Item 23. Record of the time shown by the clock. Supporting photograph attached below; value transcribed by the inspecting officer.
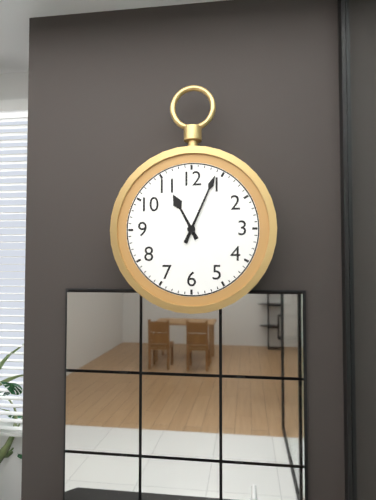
11:04
